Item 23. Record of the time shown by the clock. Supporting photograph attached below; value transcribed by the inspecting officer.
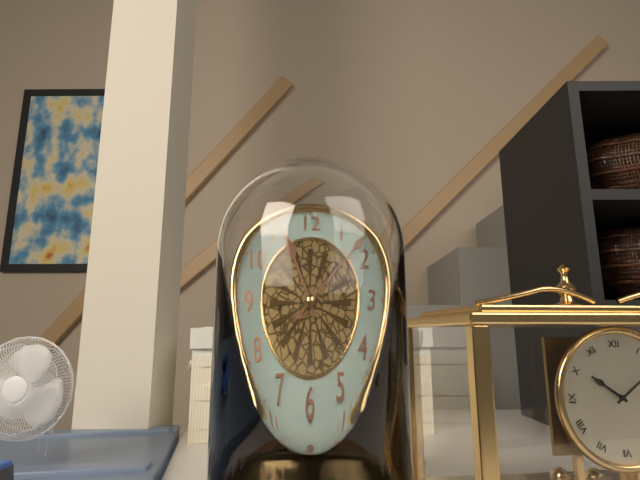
11:08
